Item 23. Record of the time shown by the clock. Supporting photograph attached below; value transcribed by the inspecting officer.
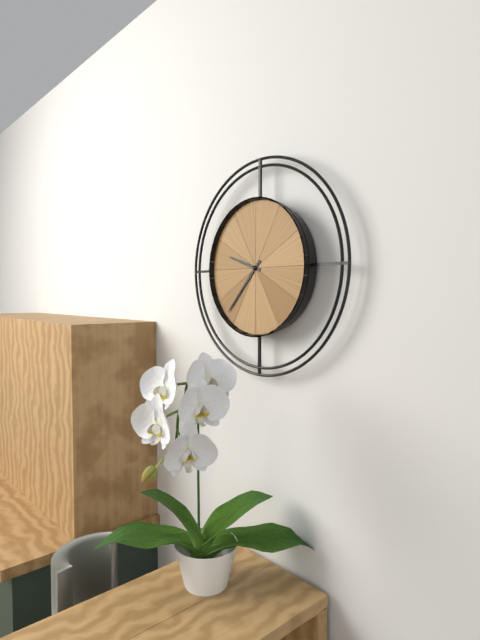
9:37
